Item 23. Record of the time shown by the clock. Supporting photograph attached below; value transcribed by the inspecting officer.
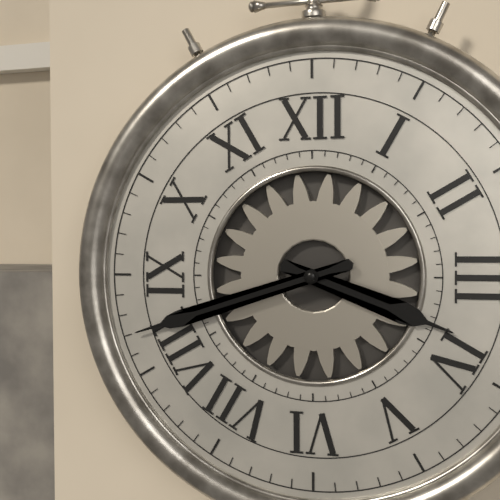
3:42
